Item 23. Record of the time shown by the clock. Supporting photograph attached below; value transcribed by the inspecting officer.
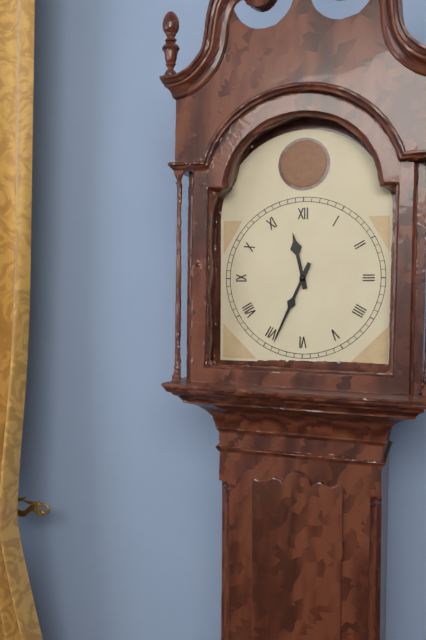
11:34
